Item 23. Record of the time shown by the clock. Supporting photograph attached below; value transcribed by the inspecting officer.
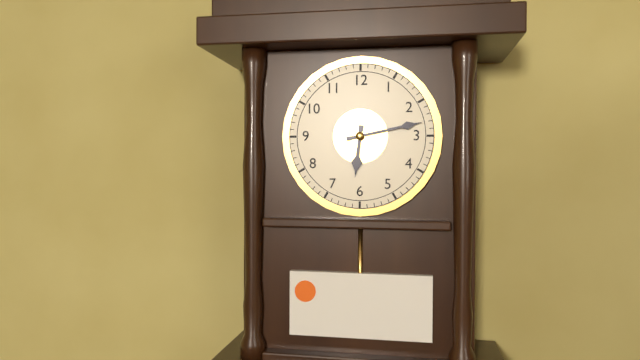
6:13
